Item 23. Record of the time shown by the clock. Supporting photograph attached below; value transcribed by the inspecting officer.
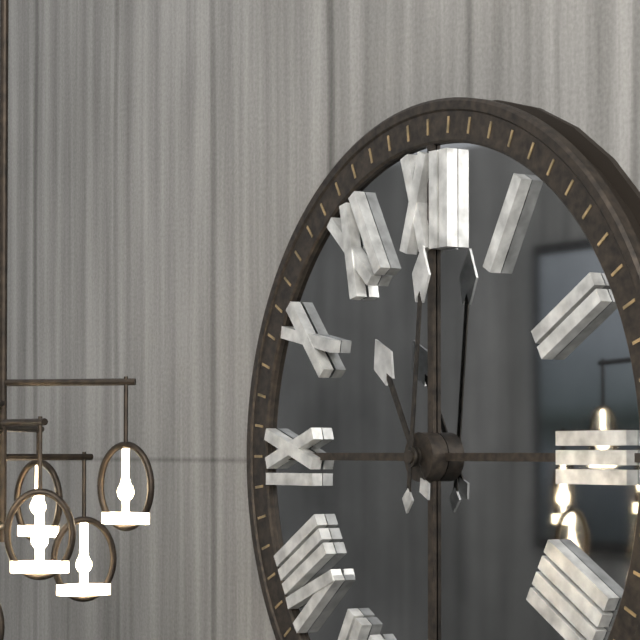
11:01
